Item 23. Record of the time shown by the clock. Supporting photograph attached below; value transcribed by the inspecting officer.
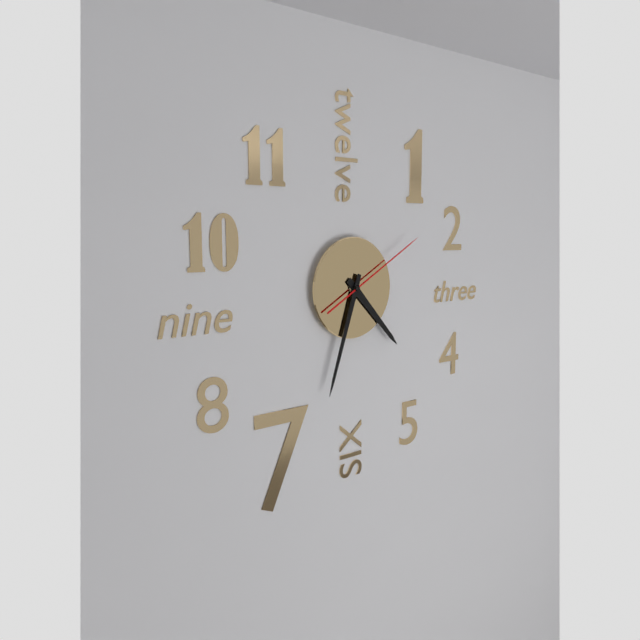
4:33:10
